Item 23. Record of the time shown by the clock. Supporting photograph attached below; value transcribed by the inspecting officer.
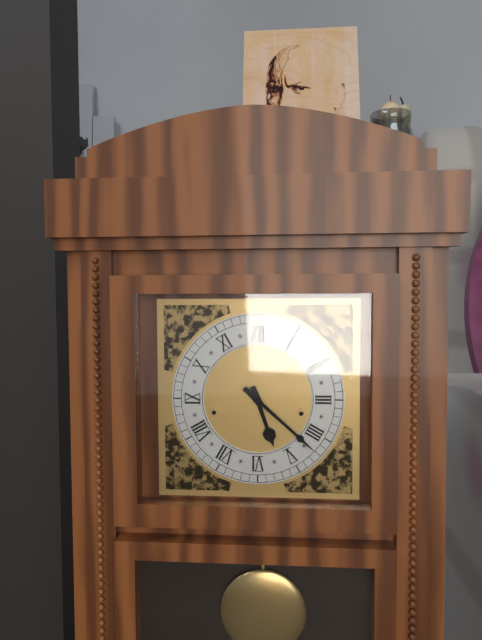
5:22
